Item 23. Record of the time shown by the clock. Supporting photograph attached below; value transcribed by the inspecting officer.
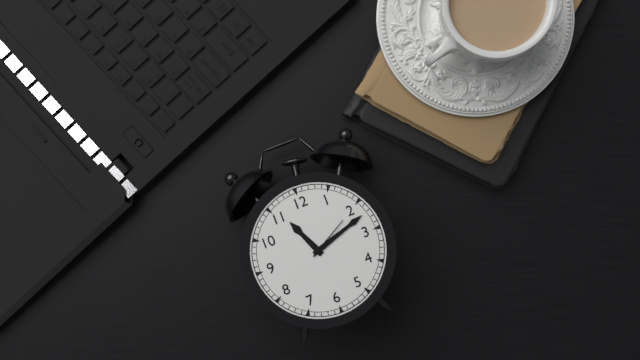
11:12
